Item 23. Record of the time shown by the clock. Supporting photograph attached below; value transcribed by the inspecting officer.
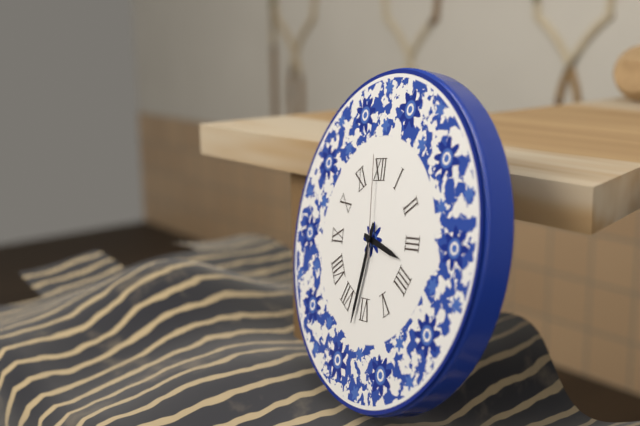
3:32:59
